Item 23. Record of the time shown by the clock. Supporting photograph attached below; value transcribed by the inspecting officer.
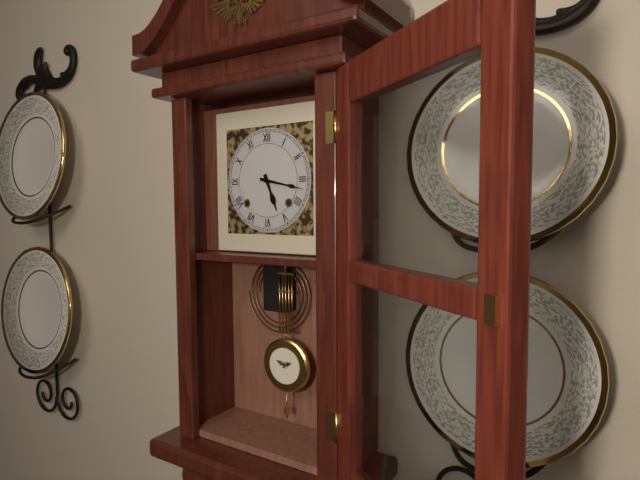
5:17
